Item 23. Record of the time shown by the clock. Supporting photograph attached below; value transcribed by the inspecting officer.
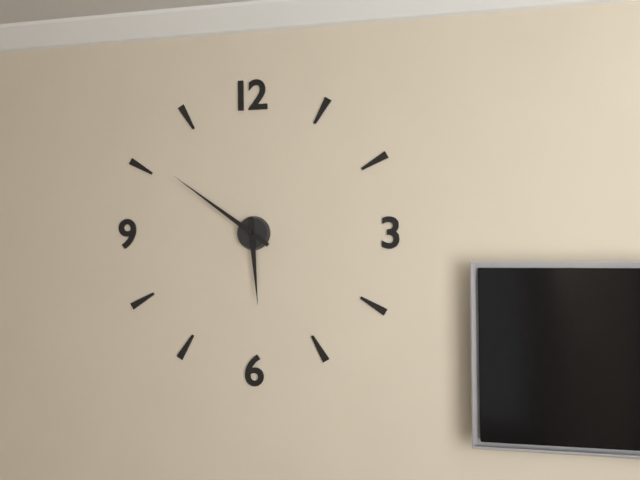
5:51
